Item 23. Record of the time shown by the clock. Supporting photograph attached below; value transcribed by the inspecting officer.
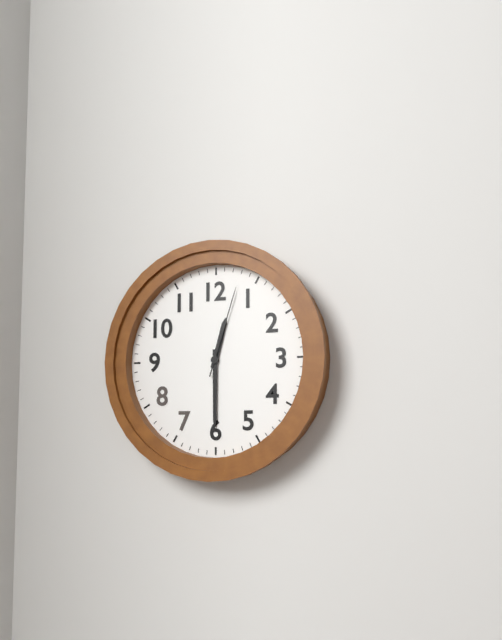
12:30:03
